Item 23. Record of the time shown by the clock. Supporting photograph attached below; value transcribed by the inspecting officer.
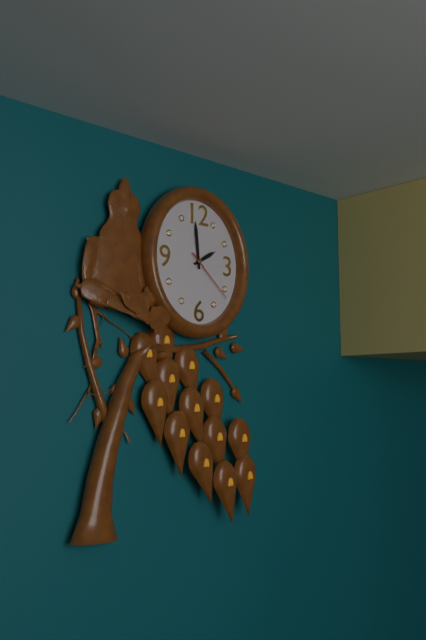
1:59:22
